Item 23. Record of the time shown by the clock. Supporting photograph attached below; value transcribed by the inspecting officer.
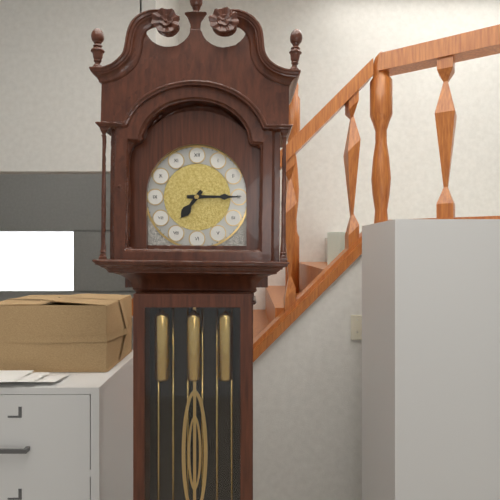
7:15
